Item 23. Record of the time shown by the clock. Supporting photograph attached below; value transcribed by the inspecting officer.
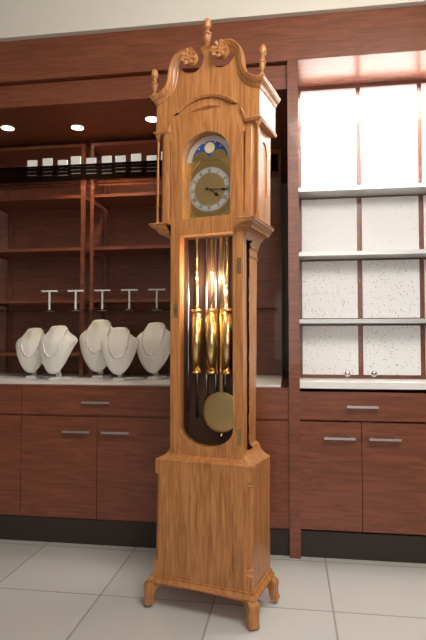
4:16
